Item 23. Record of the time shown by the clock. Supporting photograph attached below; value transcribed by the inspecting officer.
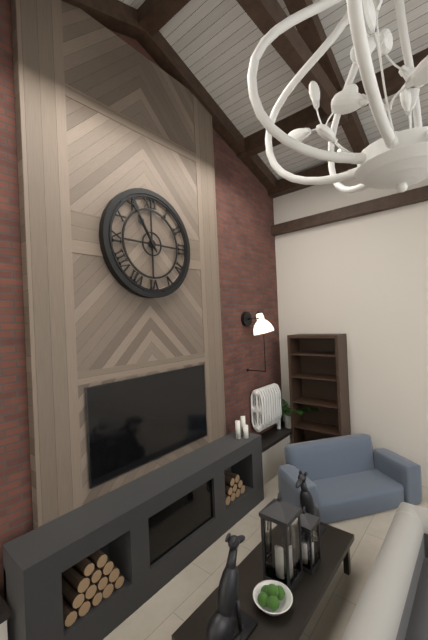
10:55
